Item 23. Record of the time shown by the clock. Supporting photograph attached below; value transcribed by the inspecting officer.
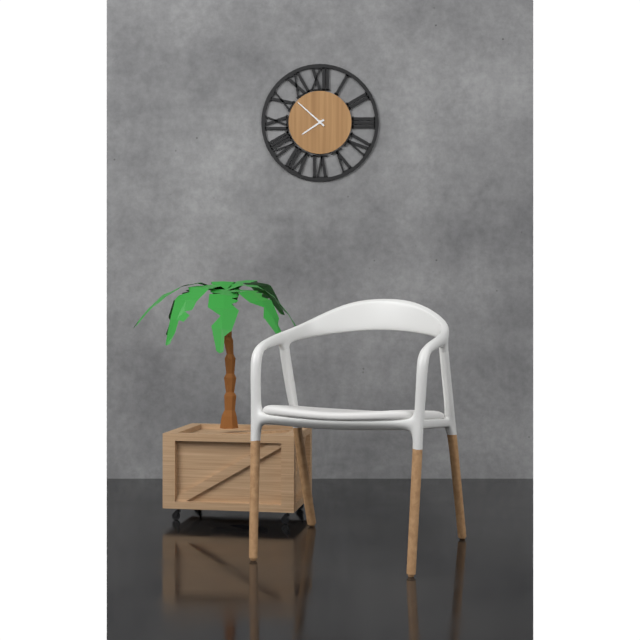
7:52
